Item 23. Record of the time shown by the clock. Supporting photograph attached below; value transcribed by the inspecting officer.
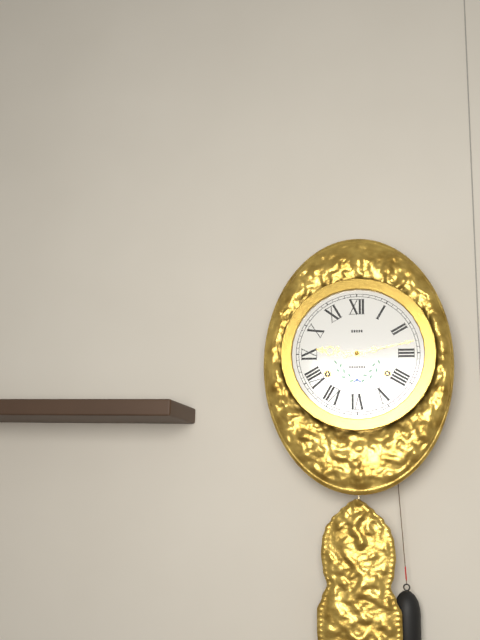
9:13
